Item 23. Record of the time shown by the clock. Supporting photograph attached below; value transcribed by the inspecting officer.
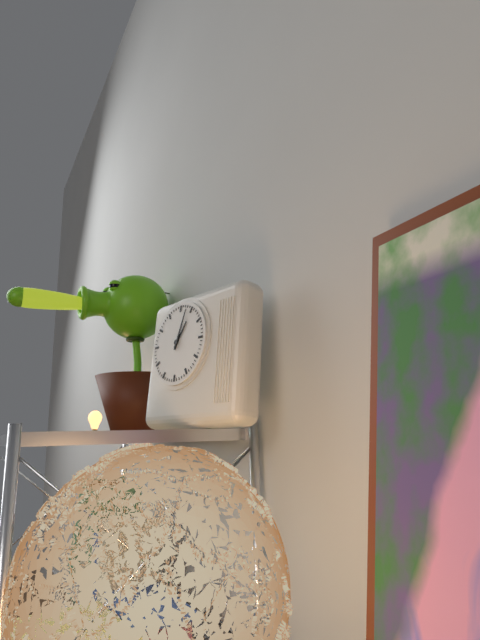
1:03
